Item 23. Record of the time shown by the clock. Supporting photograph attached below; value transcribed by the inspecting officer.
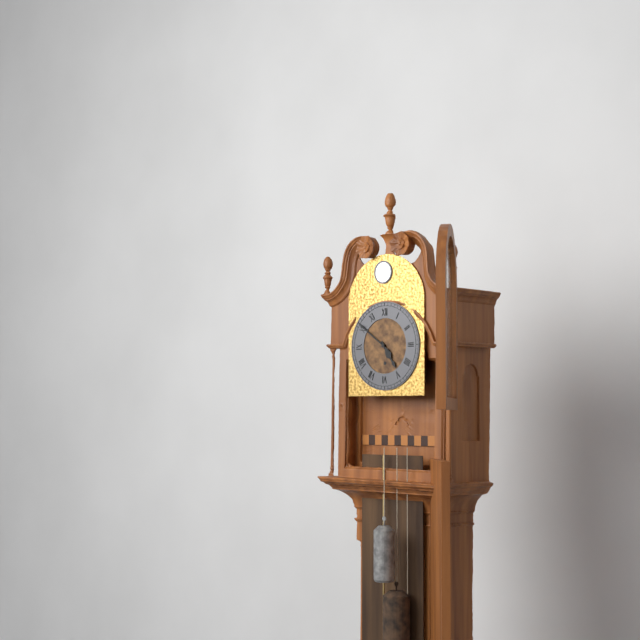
4:51
